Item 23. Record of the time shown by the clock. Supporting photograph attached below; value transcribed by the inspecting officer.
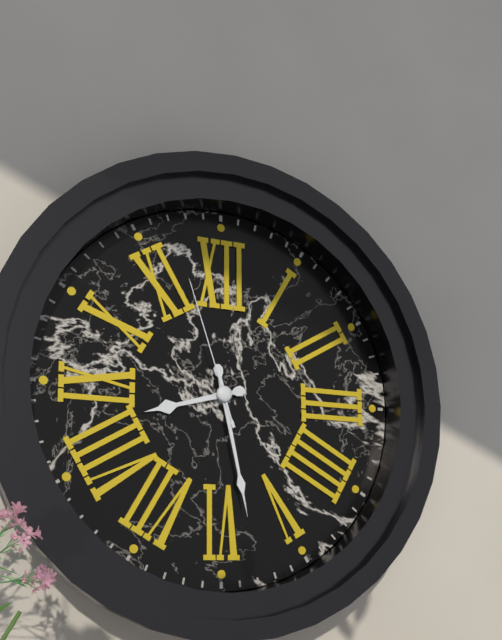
8:28:57
